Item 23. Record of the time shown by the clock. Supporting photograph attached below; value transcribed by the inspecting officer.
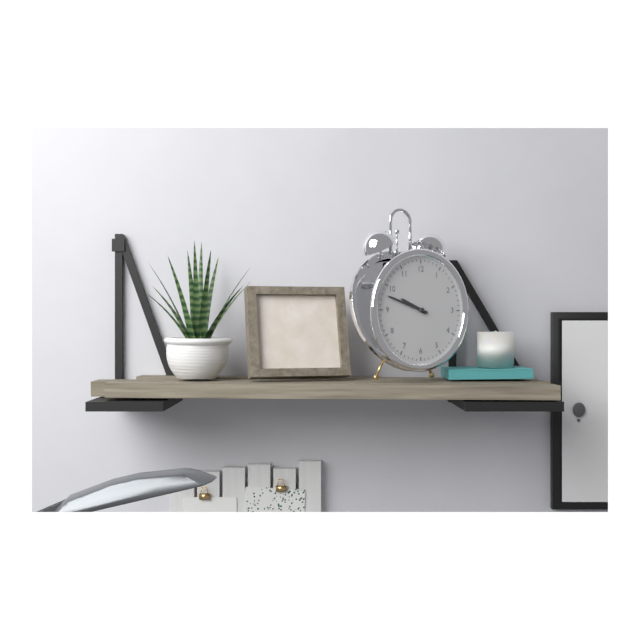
9:48
